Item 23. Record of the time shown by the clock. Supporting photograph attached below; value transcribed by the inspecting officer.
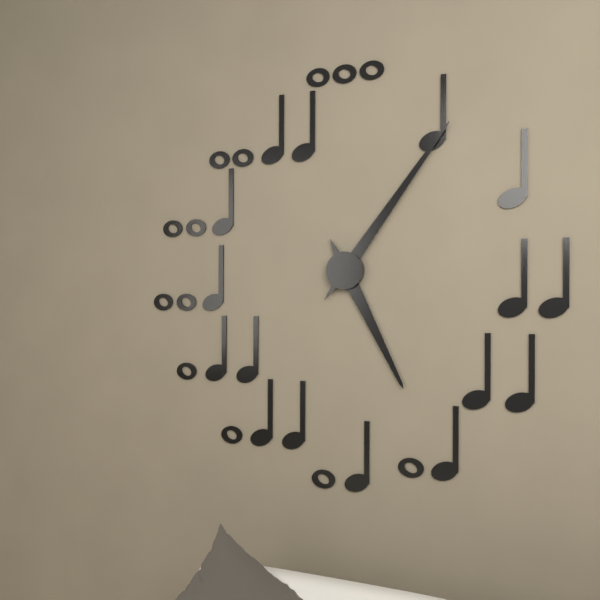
5:06
